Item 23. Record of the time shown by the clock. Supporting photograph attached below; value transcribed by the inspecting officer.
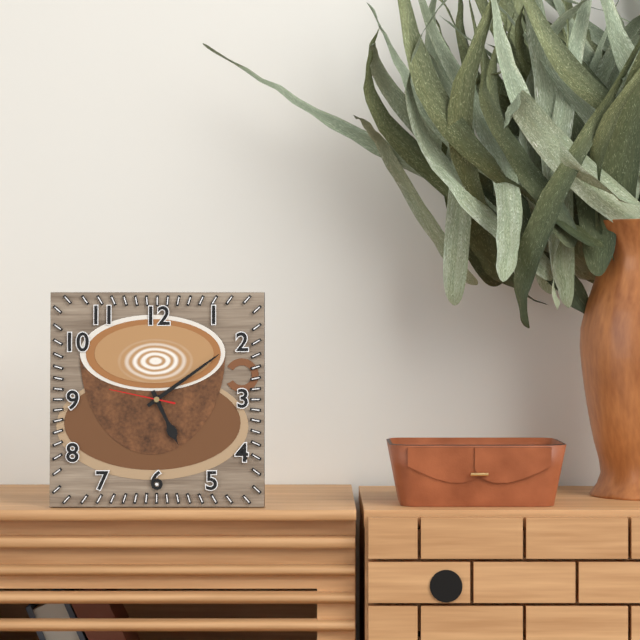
5:09:47
